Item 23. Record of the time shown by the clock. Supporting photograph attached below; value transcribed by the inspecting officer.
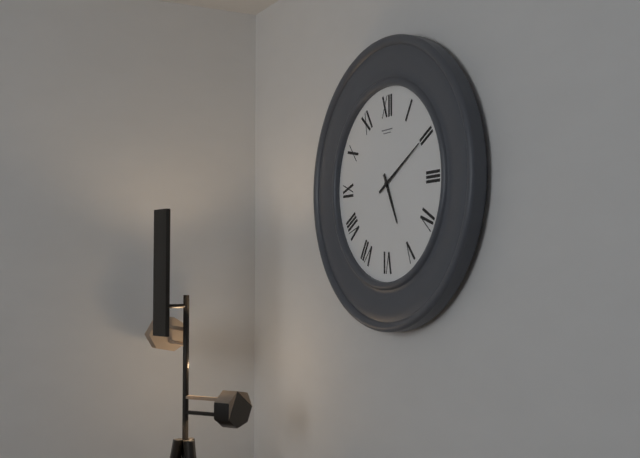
5:10
